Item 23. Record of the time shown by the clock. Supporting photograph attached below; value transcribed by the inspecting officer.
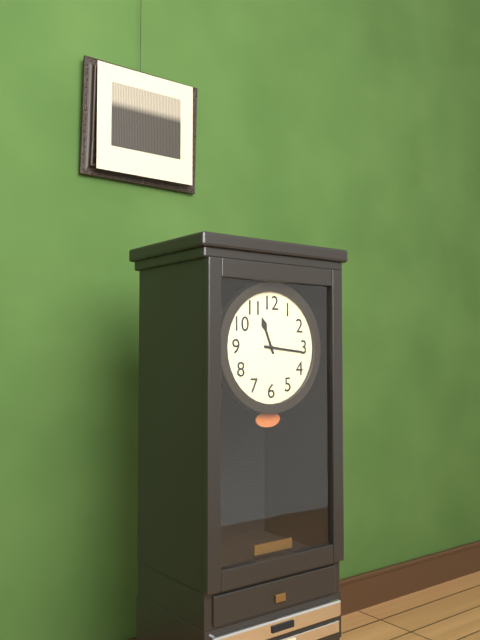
11:16
